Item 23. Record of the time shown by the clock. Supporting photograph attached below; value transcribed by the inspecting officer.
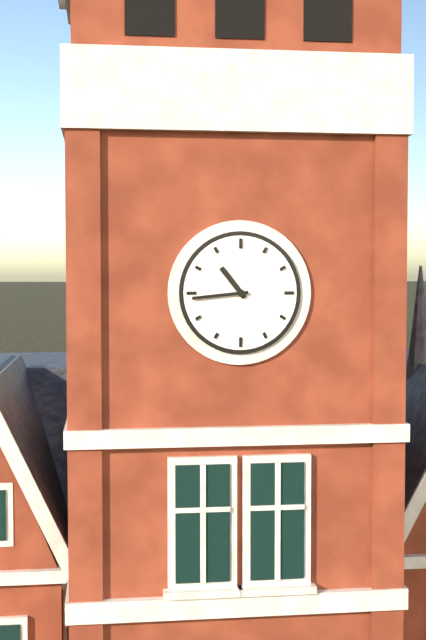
10:44
